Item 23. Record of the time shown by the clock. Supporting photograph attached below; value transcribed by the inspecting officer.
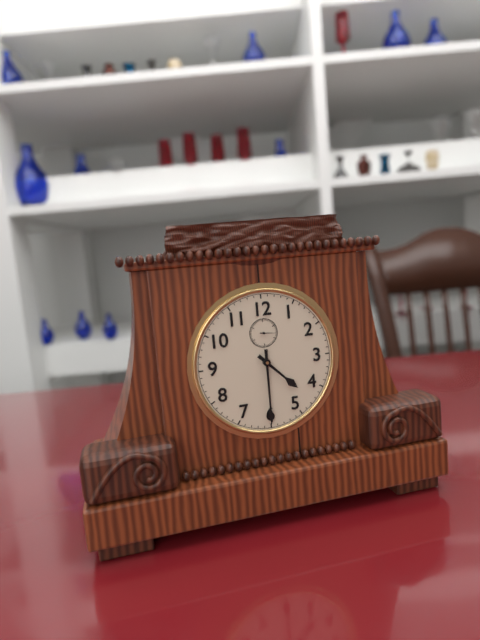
4:30
